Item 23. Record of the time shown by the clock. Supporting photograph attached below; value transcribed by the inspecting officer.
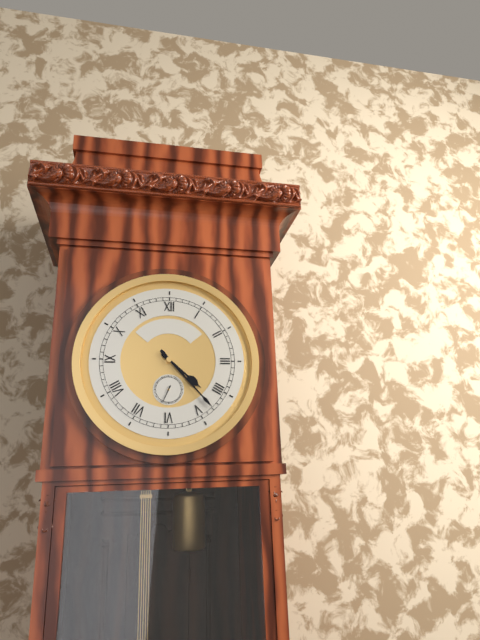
4:23
